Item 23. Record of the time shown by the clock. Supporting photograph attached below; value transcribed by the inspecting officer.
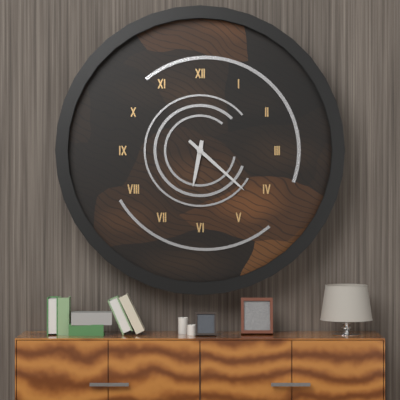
6:22
